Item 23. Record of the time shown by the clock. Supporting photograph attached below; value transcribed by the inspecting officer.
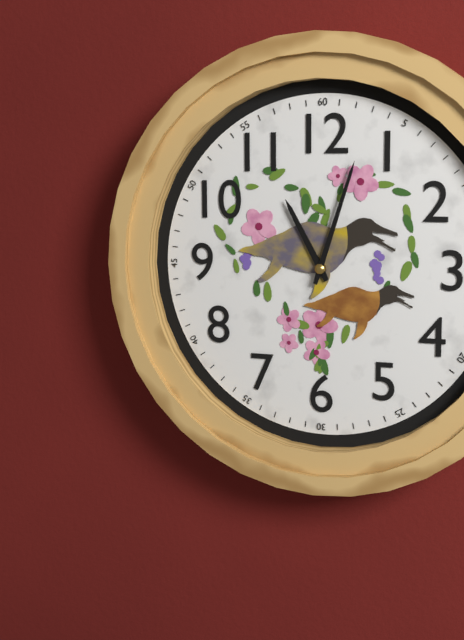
11:03
